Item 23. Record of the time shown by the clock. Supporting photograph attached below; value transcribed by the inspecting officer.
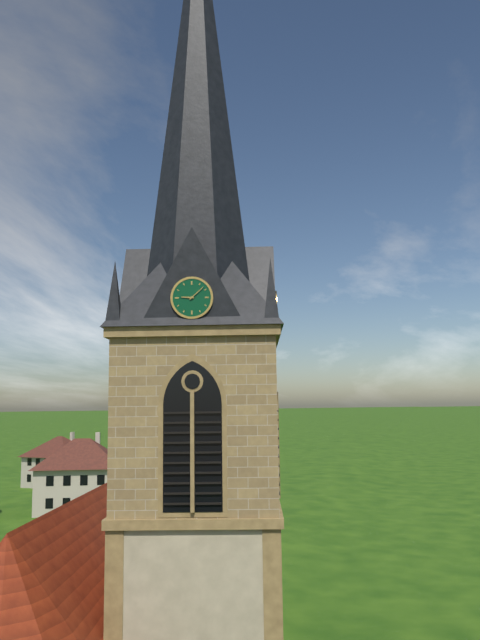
9:08
